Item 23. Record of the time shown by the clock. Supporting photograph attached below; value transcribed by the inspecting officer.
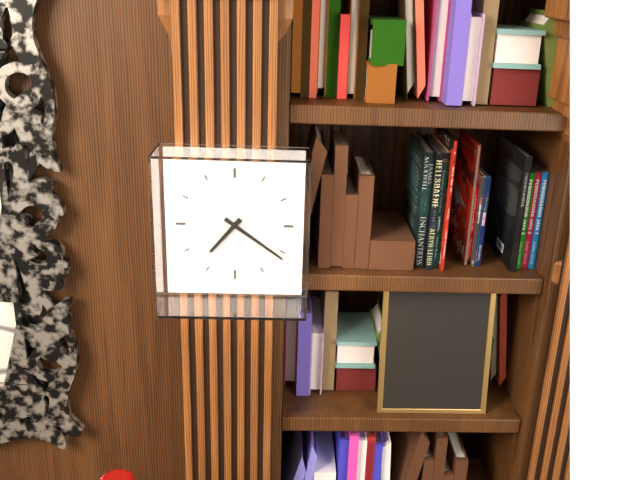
7:21
